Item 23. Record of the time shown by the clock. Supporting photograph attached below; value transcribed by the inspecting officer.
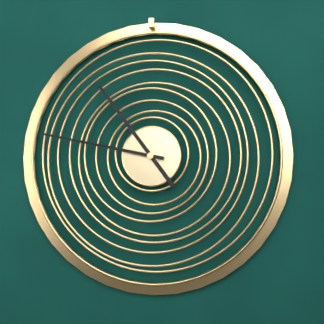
10:47
